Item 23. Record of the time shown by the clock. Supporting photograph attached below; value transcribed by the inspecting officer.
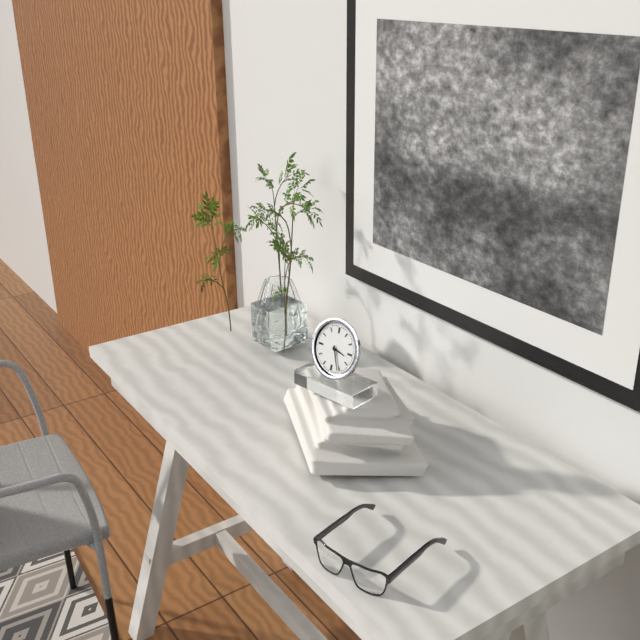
3:26
